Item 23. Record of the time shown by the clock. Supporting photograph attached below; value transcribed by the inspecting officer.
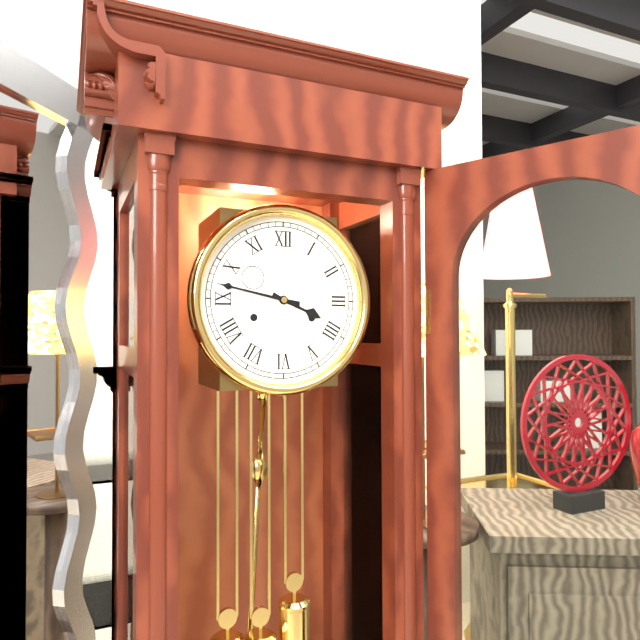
3:47
